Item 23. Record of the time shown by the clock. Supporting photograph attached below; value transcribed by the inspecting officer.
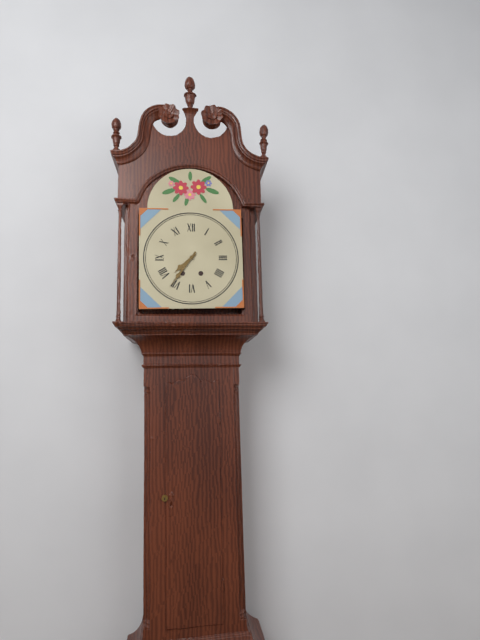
7:36
